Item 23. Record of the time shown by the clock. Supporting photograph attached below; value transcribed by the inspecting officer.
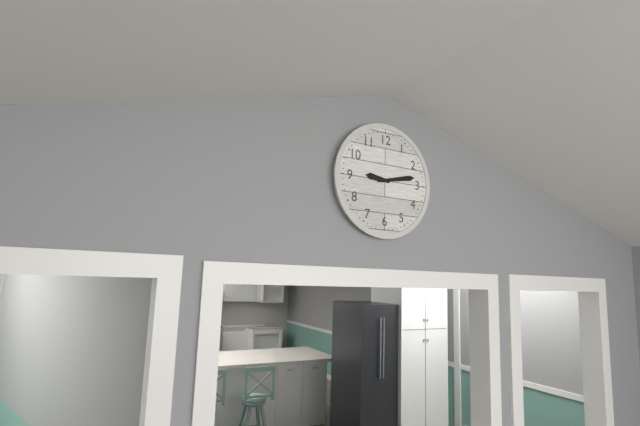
9:13
